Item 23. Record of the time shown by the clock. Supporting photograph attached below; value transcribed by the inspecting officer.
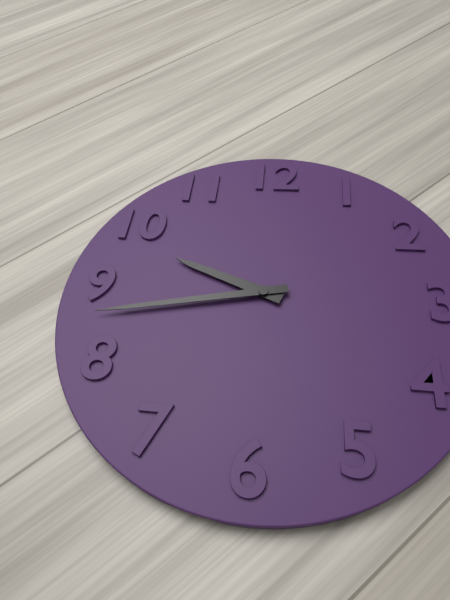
9:43
